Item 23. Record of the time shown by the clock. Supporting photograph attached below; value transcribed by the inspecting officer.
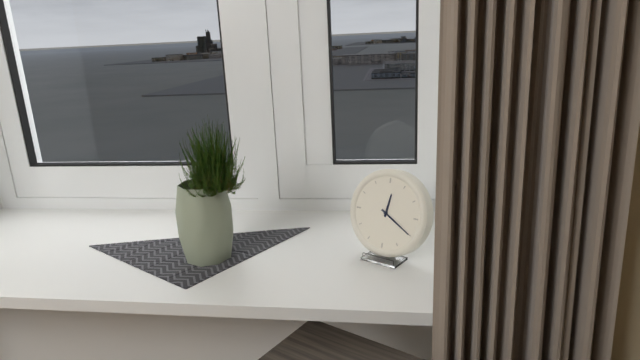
12:20
